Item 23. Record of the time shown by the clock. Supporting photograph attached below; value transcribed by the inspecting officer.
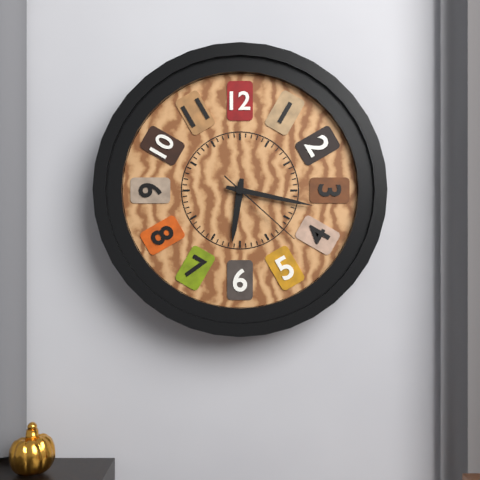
6:17:22
